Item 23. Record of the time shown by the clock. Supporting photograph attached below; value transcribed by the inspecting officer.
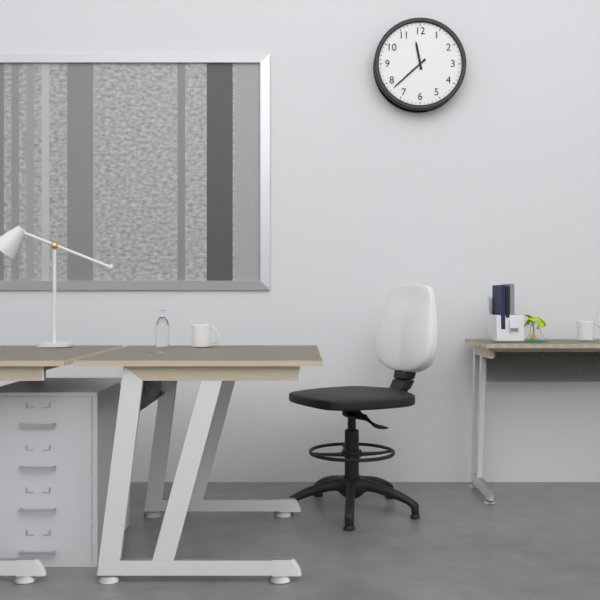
11:38
